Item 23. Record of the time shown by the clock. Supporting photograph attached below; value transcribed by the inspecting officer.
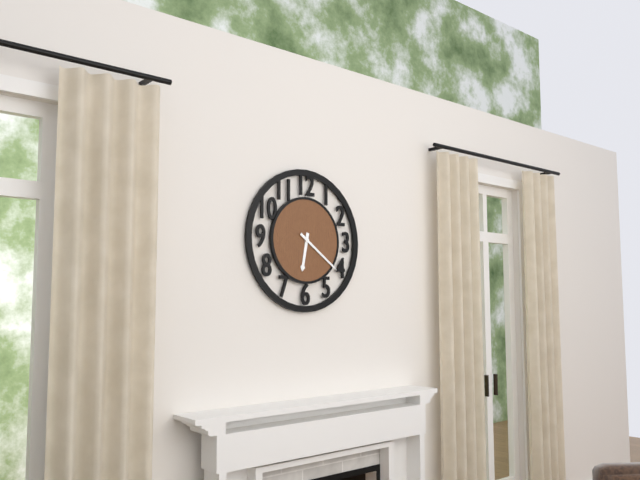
6:21
